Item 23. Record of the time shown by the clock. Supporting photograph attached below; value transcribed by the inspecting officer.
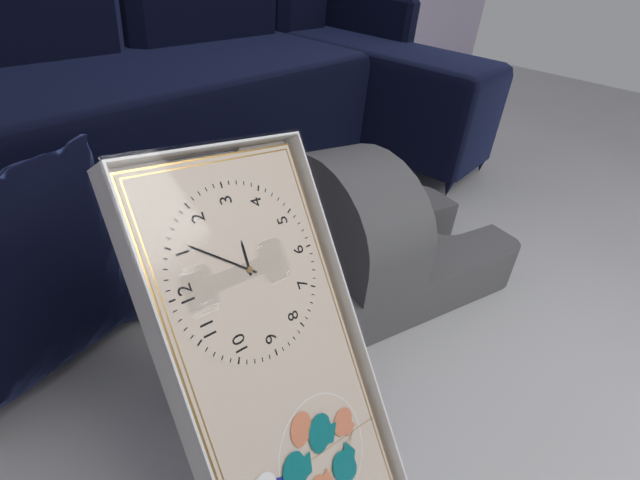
3:06
